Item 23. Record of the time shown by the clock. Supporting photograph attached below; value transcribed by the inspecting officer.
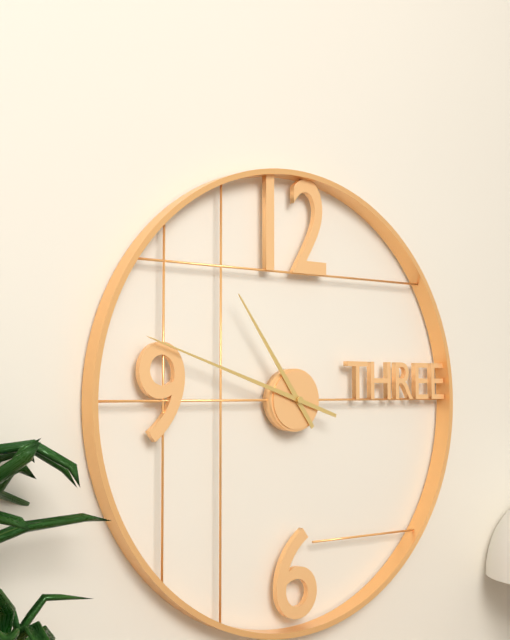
10:48
